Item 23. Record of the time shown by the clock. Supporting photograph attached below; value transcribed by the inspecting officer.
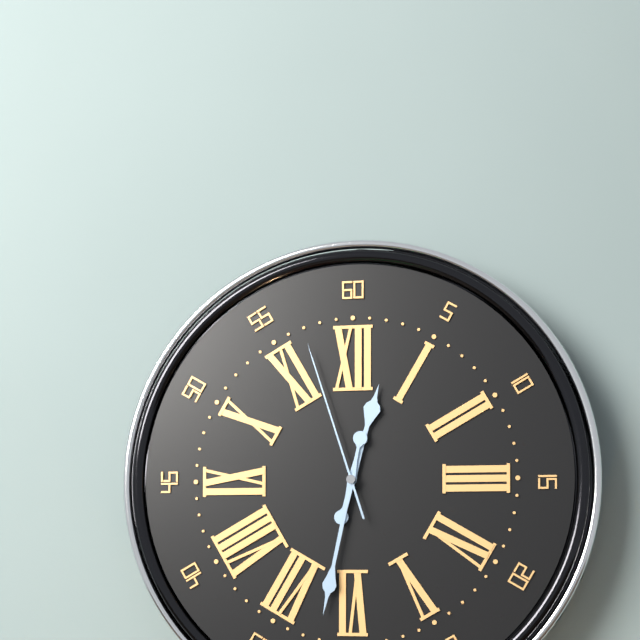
12:32:57
